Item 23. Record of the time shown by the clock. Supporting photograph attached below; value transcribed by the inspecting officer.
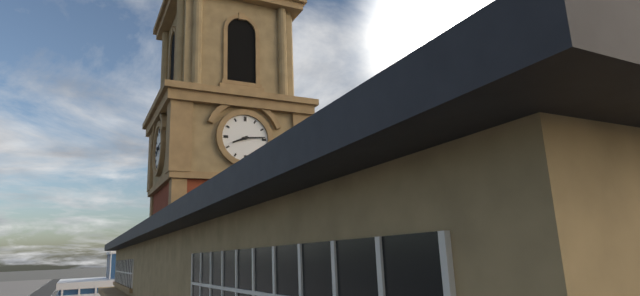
8:14
